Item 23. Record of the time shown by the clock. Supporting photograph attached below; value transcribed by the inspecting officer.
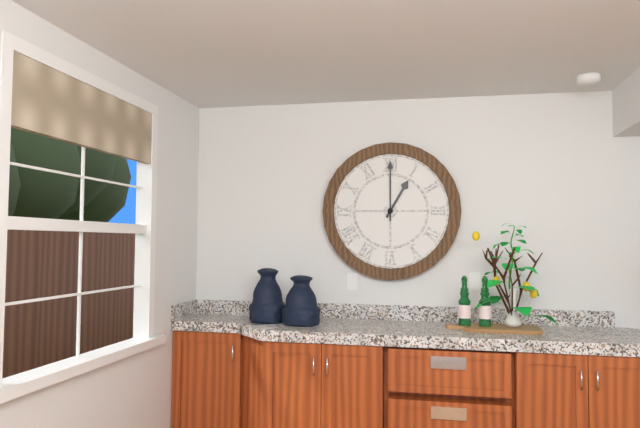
1:00
